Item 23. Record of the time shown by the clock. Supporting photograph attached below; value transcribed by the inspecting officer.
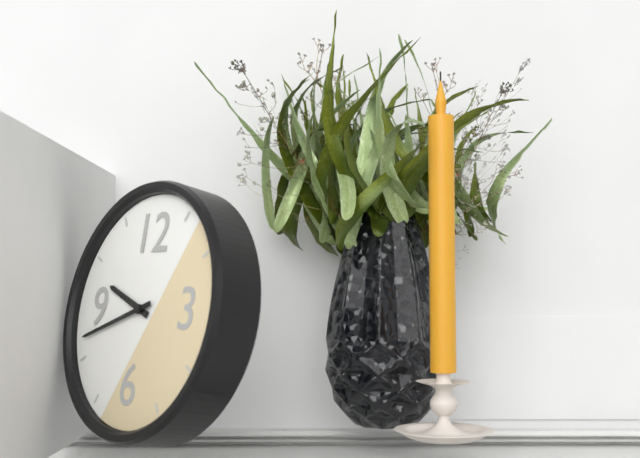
9:42
